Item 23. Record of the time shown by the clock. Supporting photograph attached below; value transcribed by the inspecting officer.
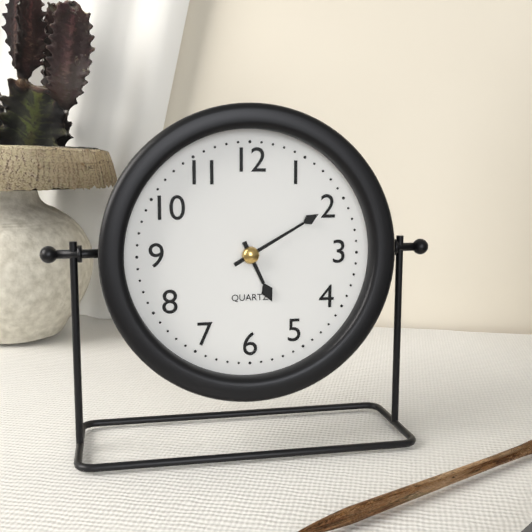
5:10
